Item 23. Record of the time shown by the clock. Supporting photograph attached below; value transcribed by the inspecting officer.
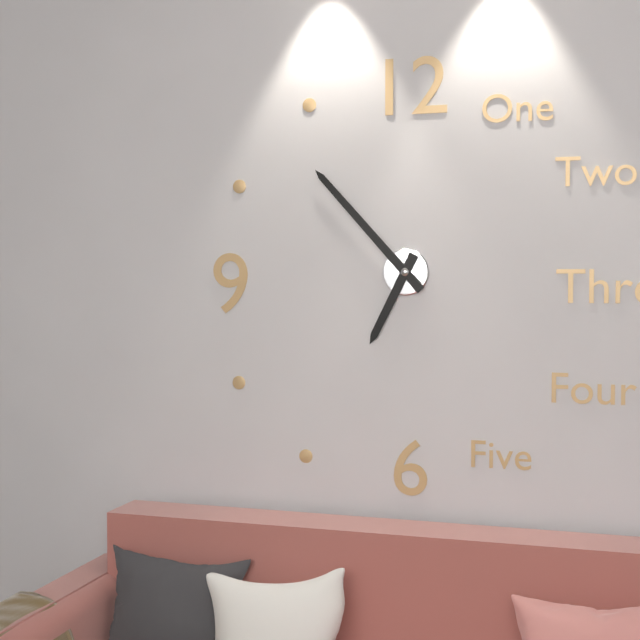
6:53
